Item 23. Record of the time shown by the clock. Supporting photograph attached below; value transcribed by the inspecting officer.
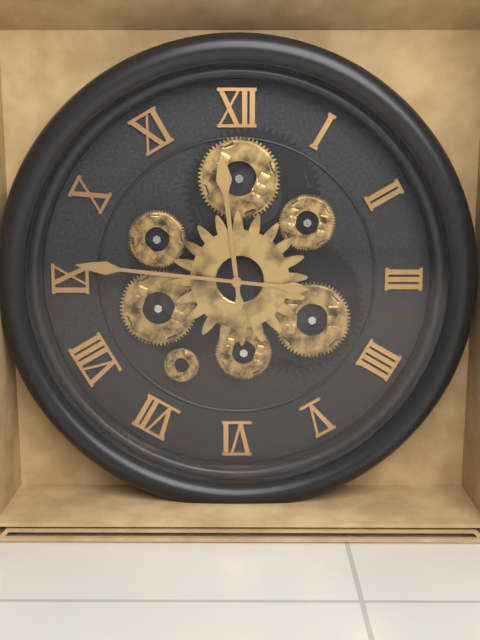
11:46
